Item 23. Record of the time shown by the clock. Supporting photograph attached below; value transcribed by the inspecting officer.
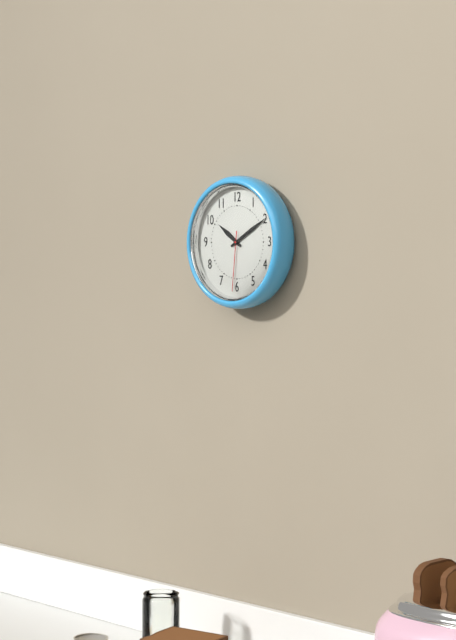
10:10:31
